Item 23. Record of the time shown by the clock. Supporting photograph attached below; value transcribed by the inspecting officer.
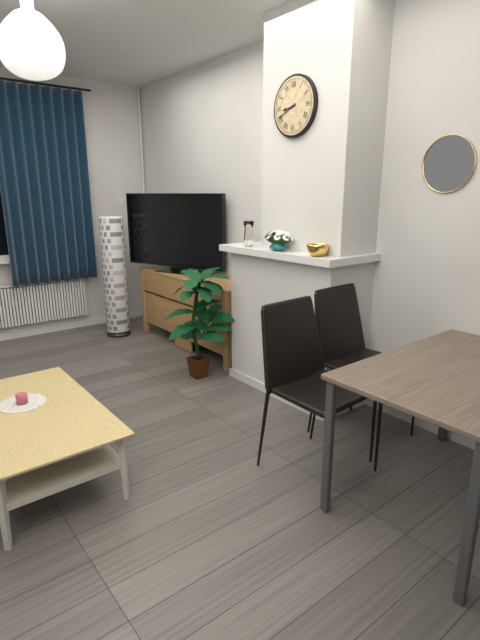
8:41
